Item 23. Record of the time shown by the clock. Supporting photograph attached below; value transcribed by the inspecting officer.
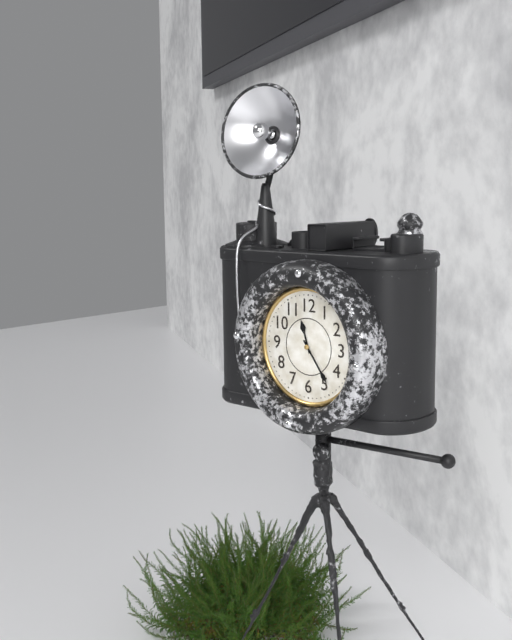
11:24
